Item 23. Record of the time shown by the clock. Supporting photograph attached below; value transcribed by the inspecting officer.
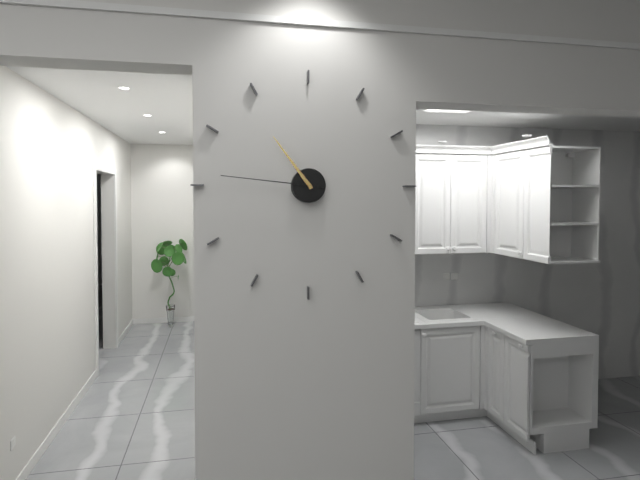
10:46
